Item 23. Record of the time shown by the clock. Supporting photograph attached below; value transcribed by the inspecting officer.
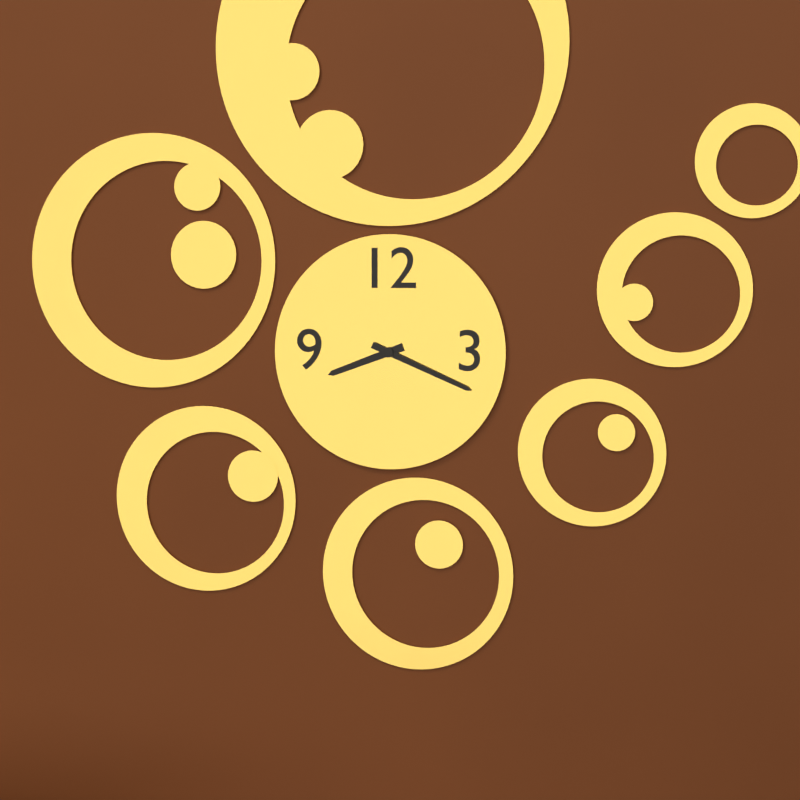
8:19
